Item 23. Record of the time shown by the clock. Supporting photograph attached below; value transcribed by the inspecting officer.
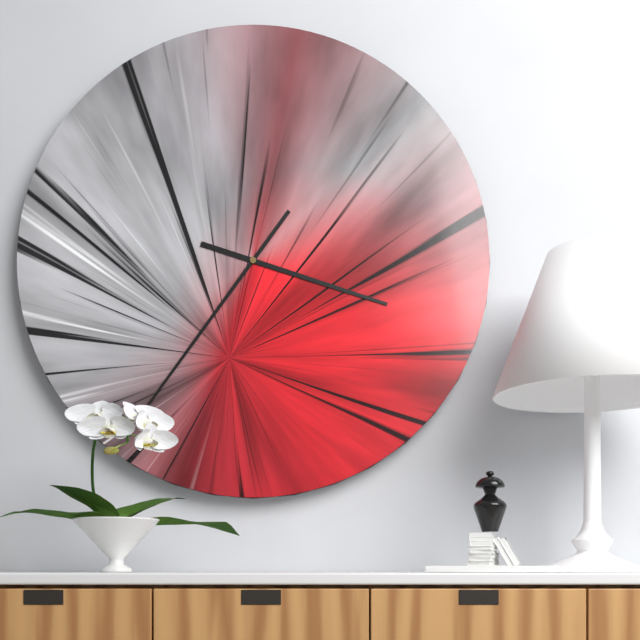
3:36
